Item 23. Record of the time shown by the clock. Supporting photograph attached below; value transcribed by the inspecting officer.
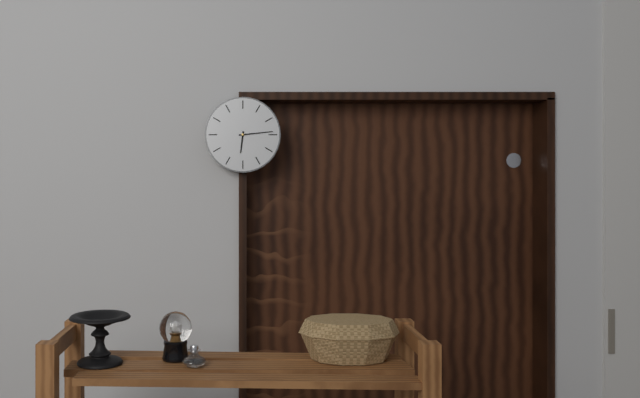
6:14
